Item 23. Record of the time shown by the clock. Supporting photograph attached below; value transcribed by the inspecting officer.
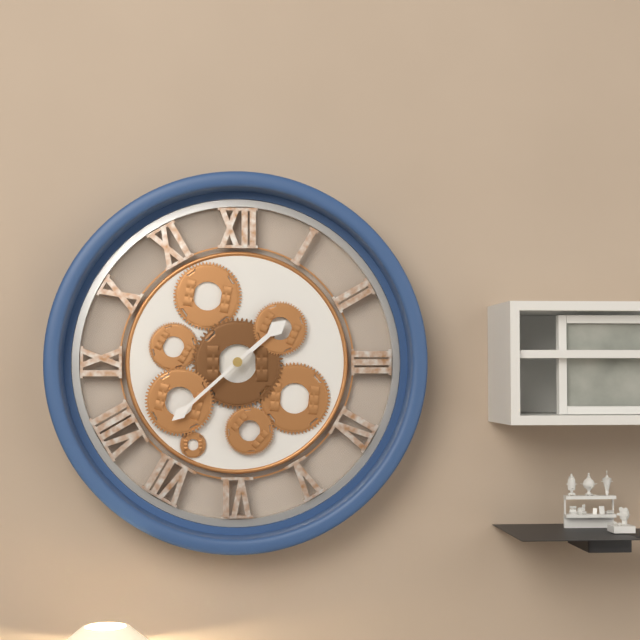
1:38
